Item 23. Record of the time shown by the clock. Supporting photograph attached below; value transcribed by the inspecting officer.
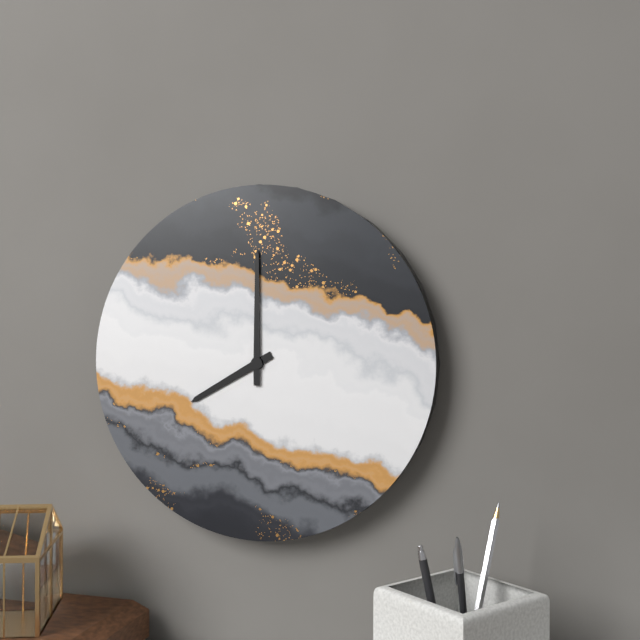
8:00
